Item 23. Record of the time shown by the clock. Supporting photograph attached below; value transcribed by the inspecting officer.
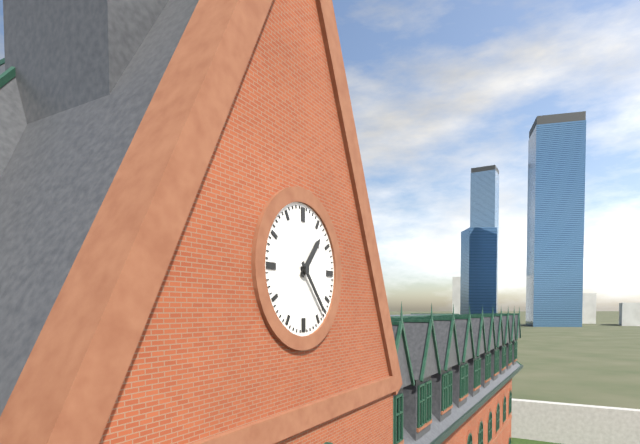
1:23
